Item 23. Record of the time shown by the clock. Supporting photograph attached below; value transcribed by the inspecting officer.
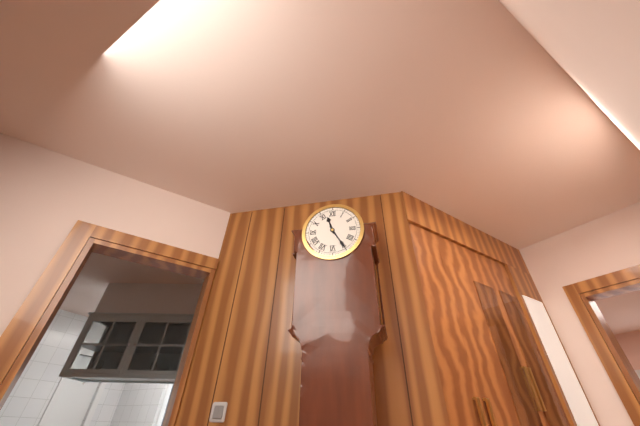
11:25
